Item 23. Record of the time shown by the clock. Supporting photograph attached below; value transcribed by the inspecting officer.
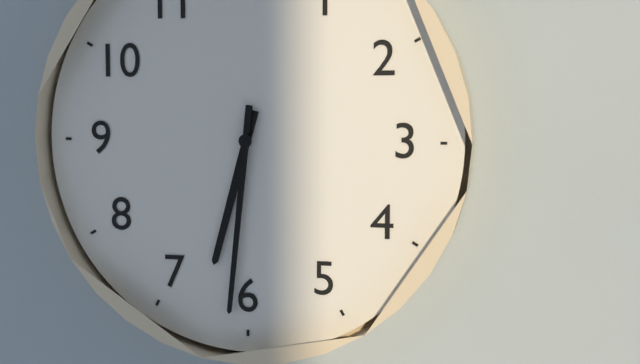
6:31
